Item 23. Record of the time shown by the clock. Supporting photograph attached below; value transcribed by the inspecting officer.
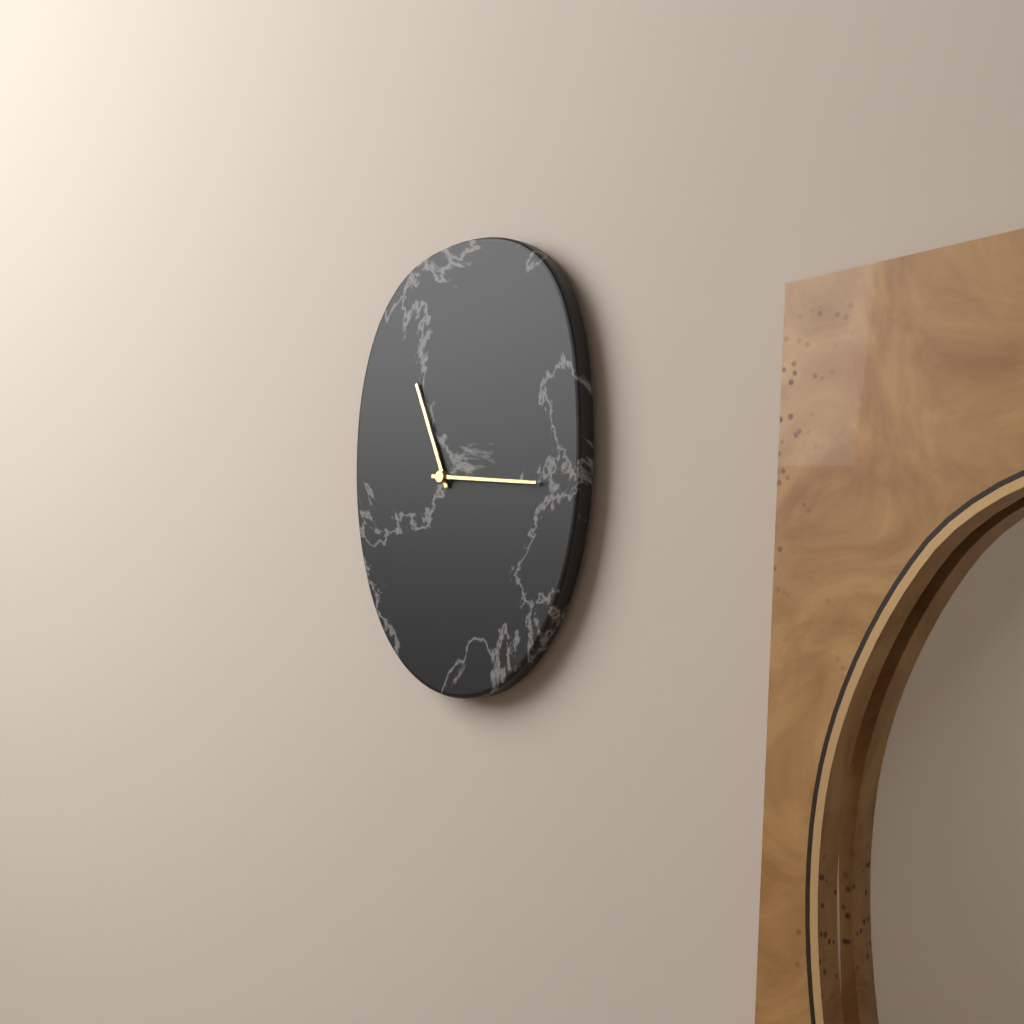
11:16
